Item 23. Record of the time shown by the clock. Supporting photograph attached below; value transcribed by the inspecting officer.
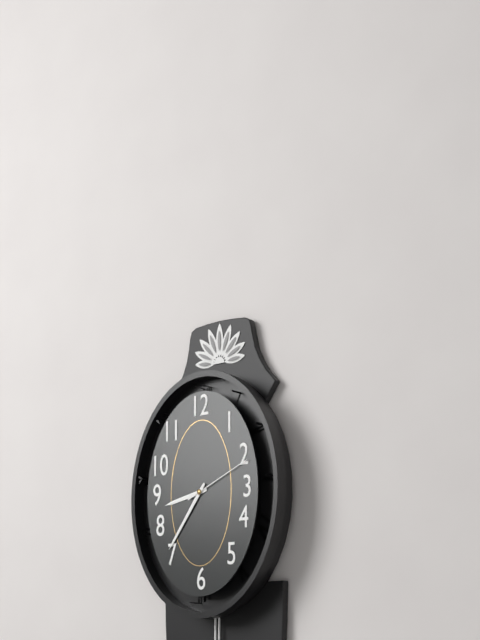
8:36:11
